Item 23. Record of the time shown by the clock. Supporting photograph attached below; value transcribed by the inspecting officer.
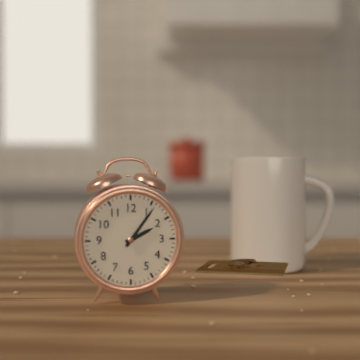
2:06
